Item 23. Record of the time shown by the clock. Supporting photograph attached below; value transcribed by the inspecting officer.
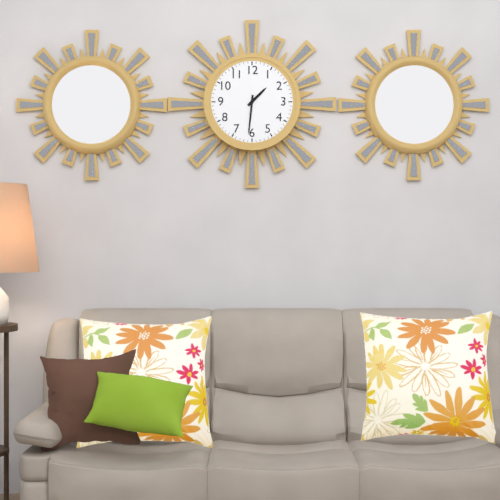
1:31
